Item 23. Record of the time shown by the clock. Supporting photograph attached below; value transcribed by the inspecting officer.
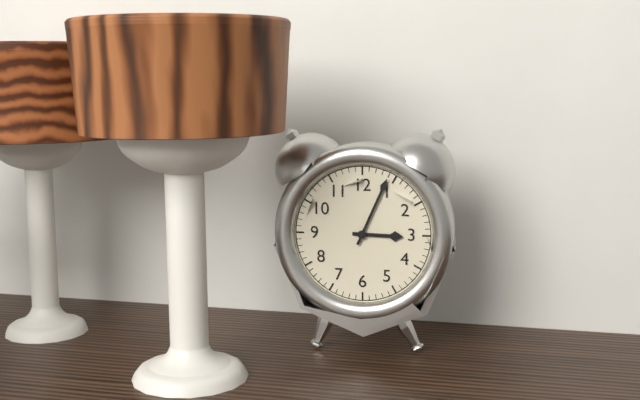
3:04
